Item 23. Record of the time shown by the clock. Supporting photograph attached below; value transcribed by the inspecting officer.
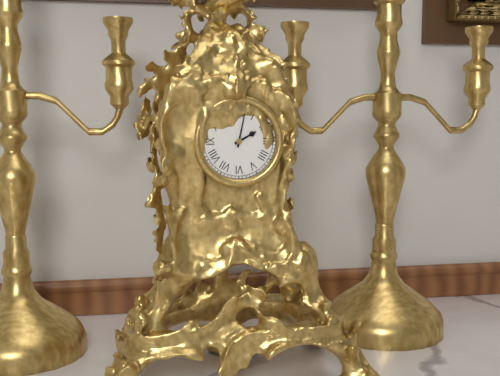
2:02
